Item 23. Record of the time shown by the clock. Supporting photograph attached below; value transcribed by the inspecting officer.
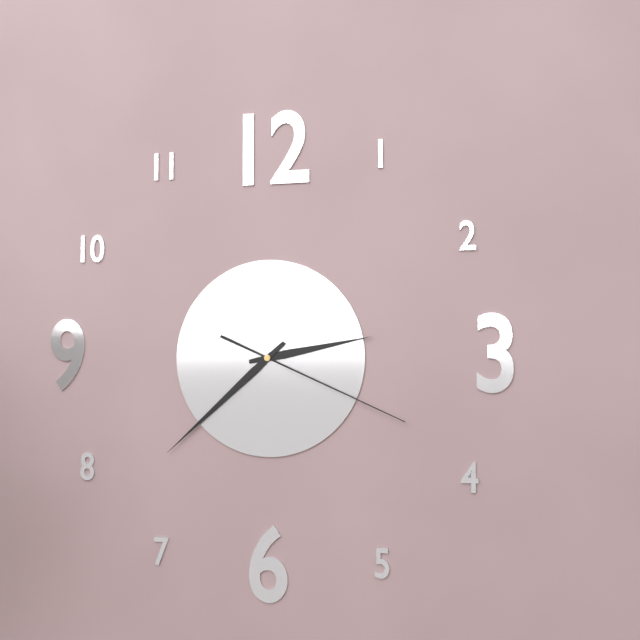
2:38:19
